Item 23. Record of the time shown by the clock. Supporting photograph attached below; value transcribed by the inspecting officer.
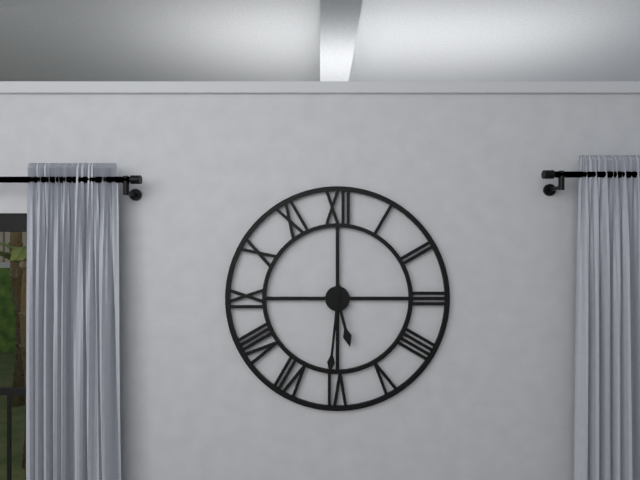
5:31
